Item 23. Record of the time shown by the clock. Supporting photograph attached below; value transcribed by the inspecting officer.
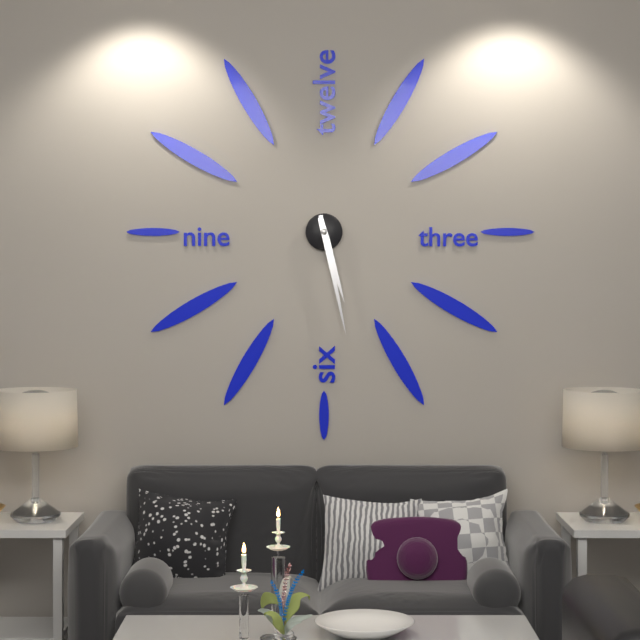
5:28
